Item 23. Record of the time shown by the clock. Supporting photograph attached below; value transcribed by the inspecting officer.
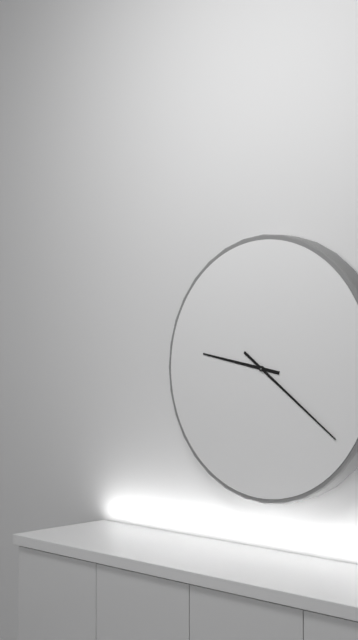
9:21
